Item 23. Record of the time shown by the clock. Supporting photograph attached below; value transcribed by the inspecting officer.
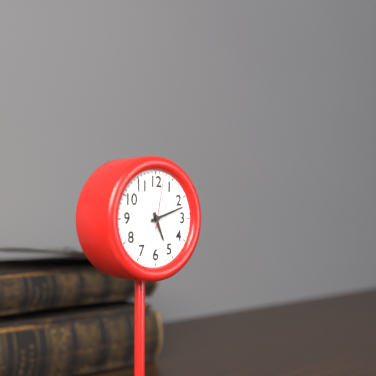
5:12:02
